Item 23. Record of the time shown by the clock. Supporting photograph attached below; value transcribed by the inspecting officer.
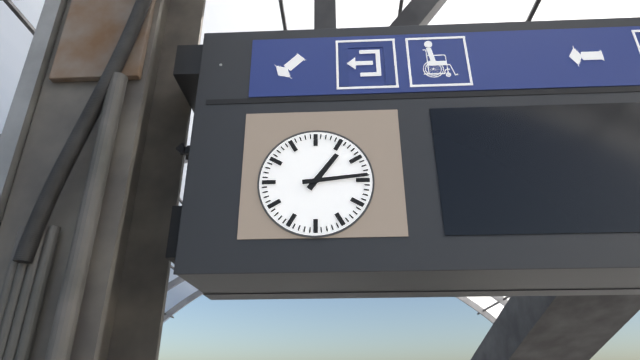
1:14
